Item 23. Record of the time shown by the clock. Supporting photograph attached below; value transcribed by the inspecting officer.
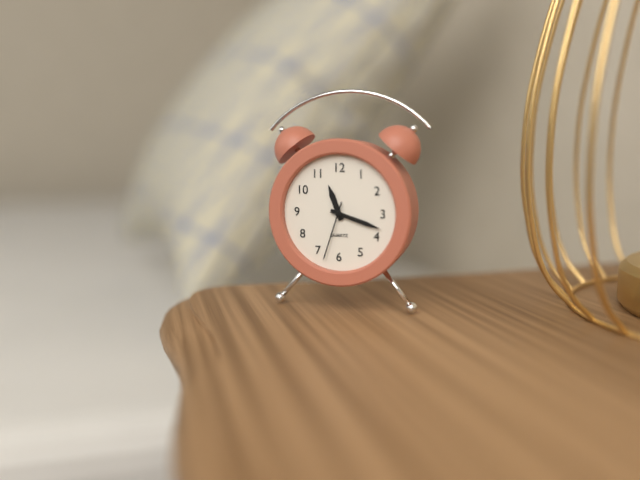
11:18:33
